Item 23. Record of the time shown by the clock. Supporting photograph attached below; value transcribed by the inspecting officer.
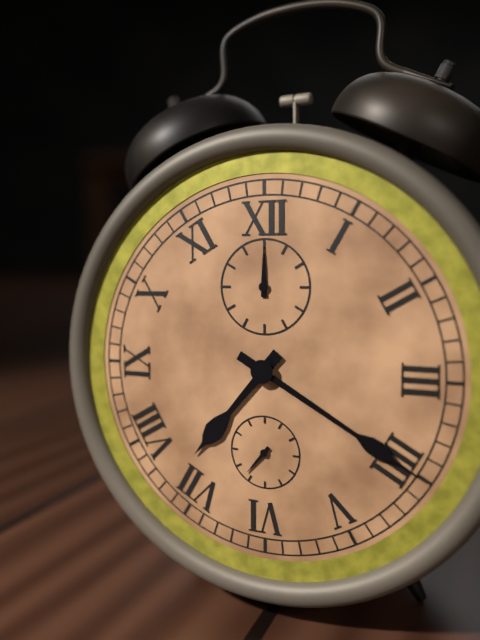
7:20
